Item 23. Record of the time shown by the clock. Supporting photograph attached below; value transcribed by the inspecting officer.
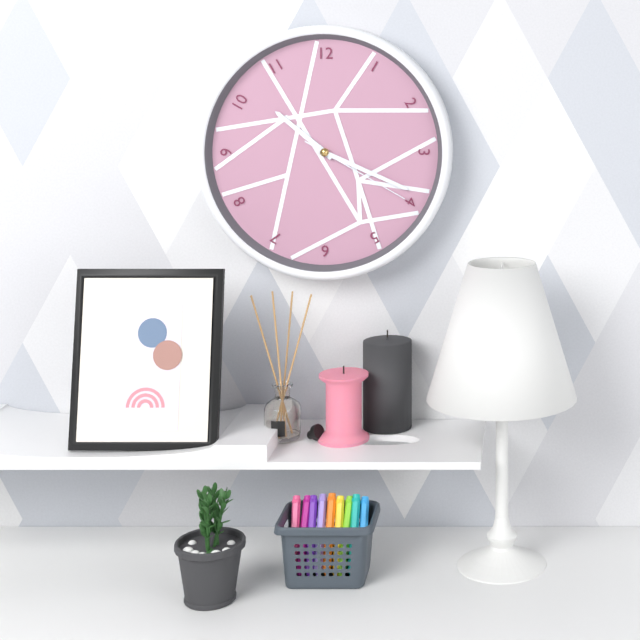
10:19:20
